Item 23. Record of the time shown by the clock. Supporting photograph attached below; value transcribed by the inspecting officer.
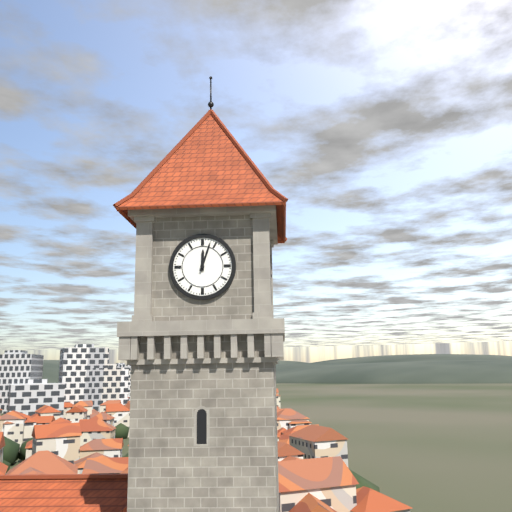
12:03
